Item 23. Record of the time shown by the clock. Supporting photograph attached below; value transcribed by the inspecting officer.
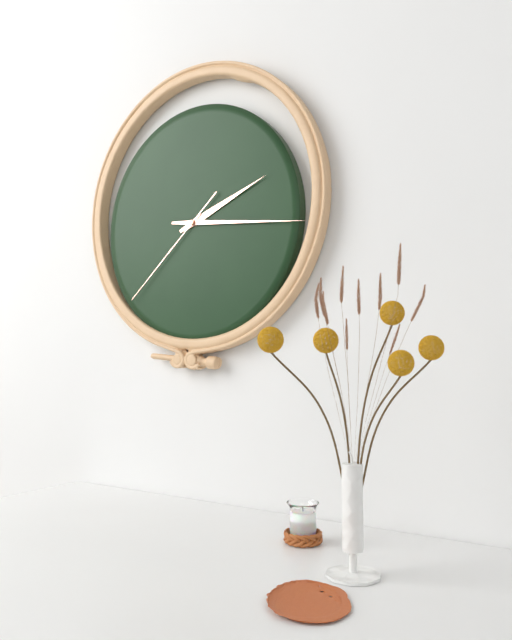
2:16:38
